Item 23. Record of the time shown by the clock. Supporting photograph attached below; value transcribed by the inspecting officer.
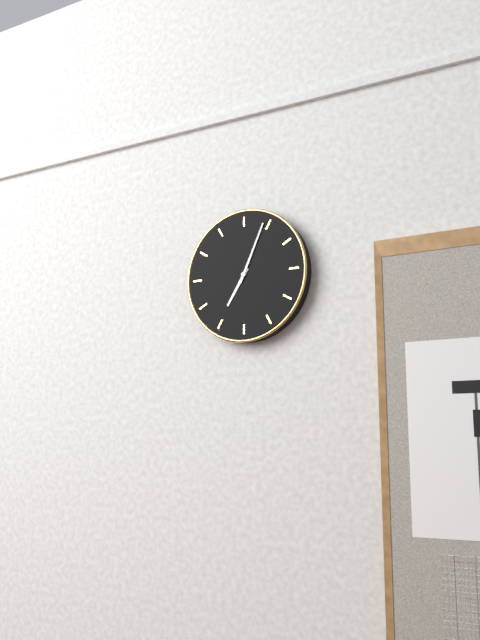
7:04
